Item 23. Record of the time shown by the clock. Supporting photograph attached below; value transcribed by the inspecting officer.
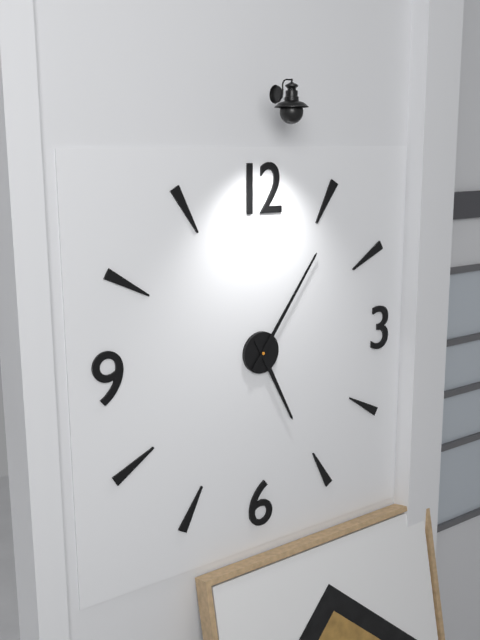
5:06
